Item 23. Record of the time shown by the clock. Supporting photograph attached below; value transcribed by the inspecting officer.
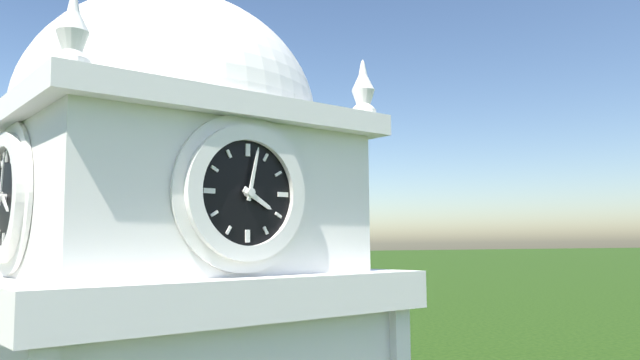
4:02
